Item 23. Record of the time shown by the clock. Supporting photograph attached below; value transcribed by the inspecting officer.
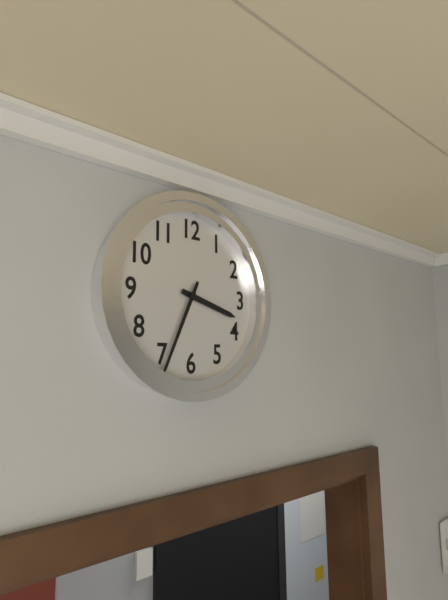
3:34
